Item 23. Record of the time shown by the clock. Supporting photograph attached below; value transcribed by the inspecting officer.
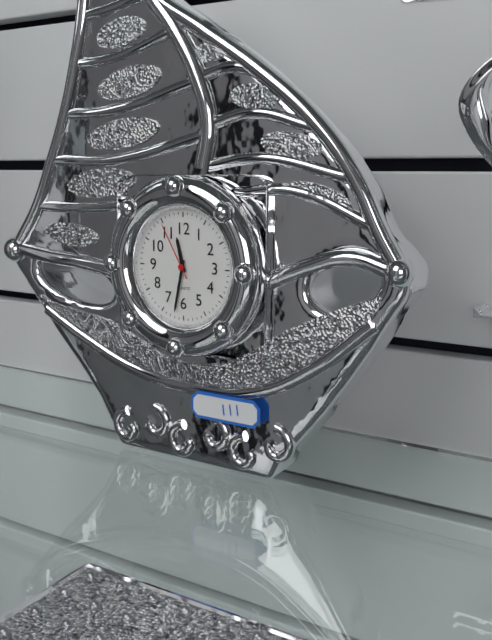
11:32:55
